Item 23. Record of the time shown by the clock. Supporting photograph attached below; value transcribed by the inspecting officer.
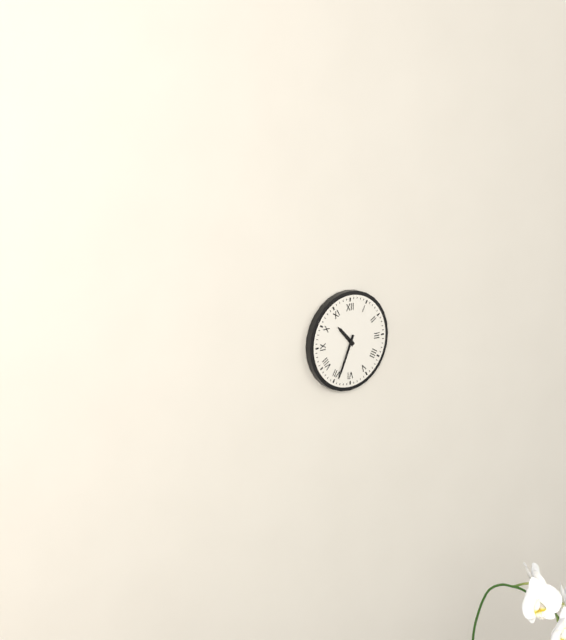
10:34
